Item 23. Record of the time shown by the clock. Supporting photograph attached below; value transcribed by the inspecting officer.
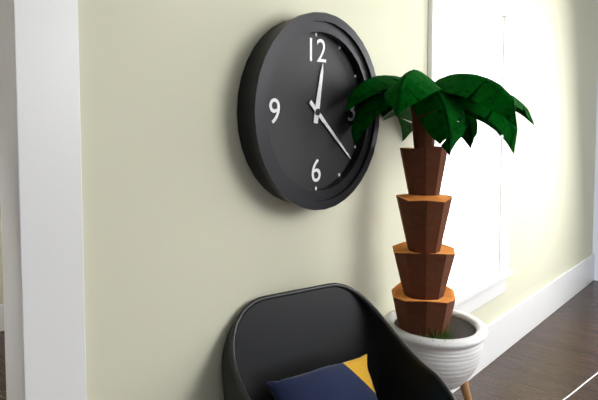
12:22
